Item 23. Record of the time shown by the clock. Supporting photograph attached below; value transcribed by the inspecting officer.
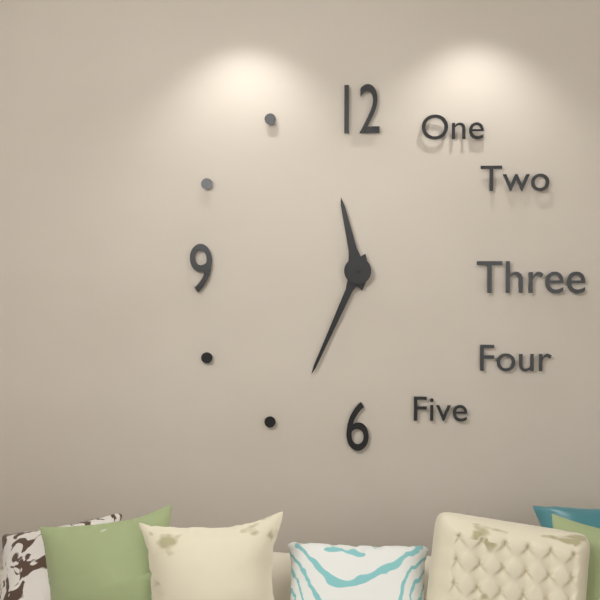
11:34
